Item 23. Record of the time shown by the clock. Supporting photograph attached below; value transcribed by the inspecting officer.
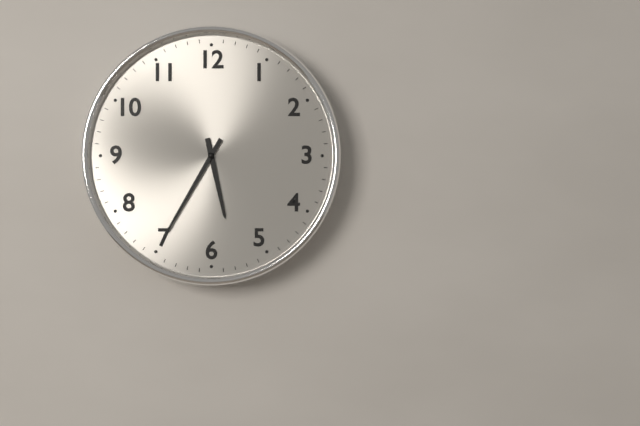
5:35
